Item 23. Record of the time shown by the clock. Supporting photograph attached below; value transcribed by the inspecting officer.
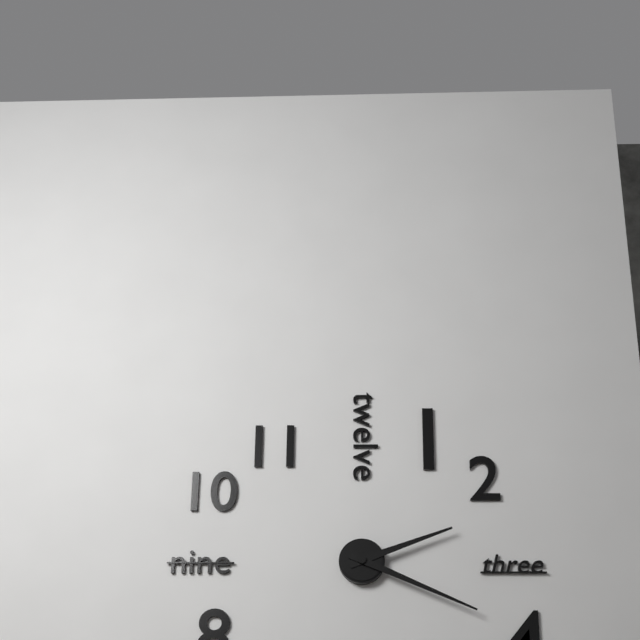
2:19
